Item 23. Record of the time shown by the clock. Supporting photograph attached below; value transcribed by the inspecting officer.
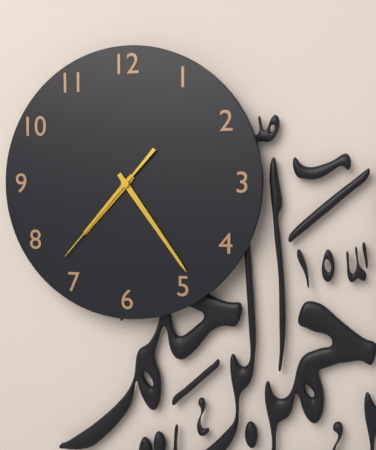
7:24:37
